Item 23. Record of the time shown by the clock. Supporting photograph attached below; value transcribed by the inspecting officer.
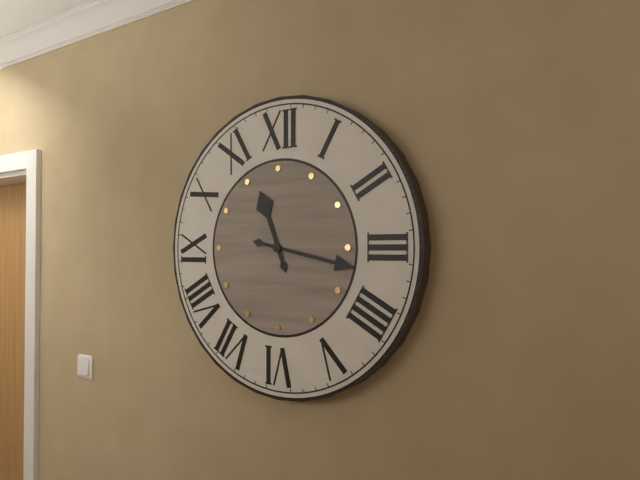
11:17
